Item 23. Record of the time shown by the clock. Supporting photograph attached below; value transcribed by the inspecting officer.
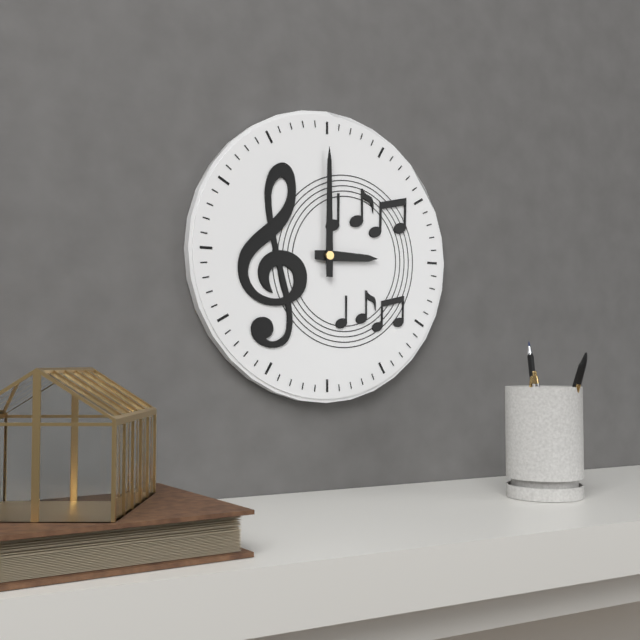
3:00
